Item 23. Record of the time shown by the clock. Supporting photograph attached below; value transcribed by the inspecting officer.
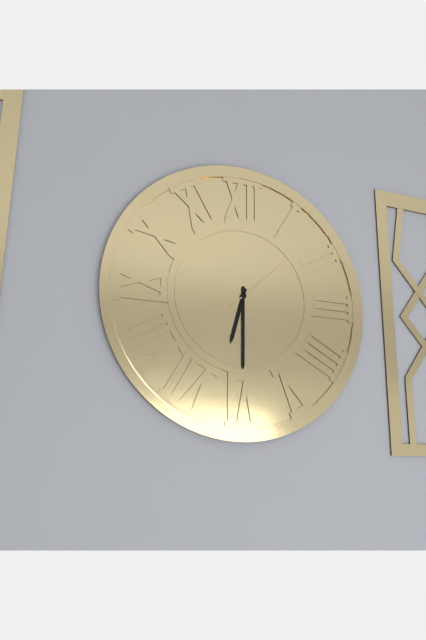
6:30:08
